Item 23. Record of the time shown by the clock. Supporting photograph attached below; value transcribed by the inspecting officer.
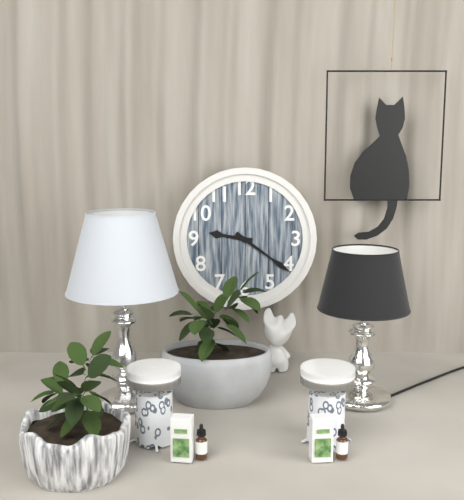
9:21
